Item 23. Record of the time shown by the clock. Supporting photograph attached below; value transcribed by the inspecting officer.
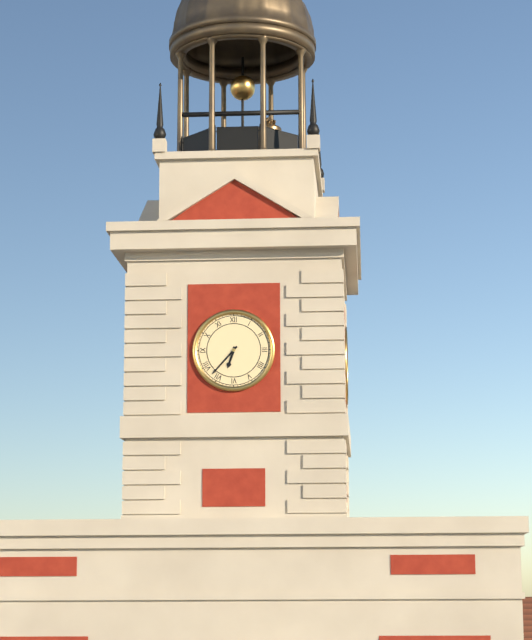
6:37
